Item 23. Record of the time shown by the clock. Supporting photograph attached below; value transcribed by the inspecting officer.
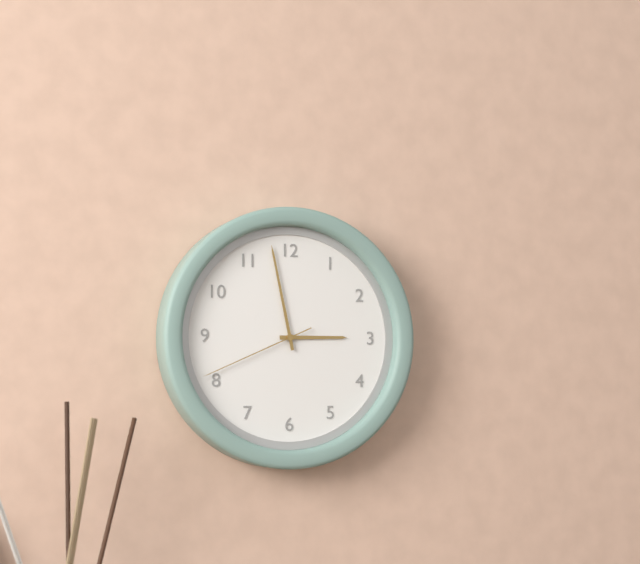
2:58:41
